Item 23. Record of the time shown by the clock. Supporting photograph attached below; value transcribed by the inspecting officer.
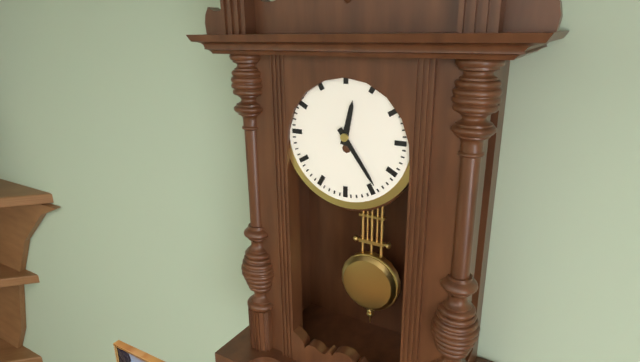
12:24
